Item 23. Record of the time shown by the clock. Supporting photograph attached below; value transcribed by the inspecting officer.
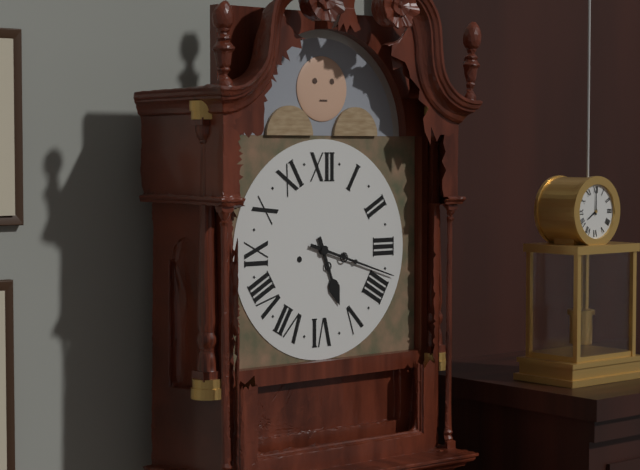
5:18
